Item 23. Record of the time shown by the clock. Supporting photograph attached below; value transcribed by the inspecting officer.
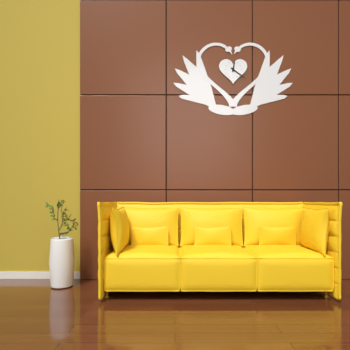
12:21
